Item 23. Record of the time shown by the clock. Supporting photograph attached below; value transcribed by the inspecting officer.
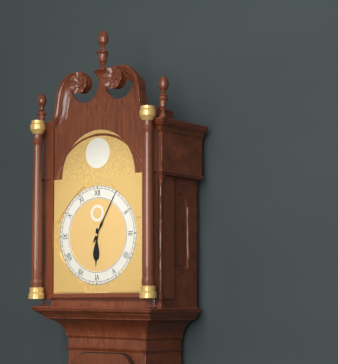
6:05
